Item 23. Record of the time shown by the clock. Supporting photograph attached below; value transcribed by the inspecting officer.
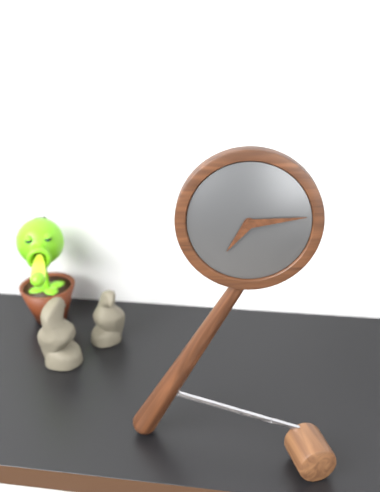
7:14
